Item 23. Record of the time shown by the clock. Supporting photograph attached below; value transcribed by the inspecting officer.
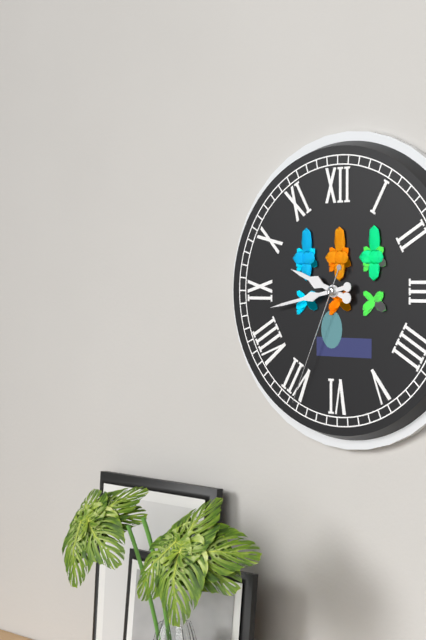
9:43:34
